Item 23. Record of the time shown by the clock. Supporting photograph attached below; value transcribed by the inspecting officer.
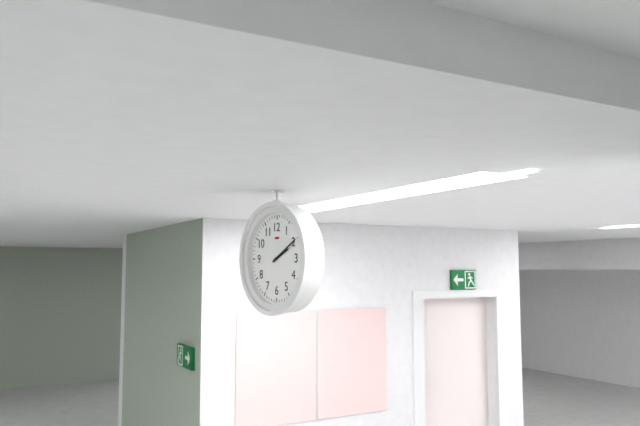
2:10
